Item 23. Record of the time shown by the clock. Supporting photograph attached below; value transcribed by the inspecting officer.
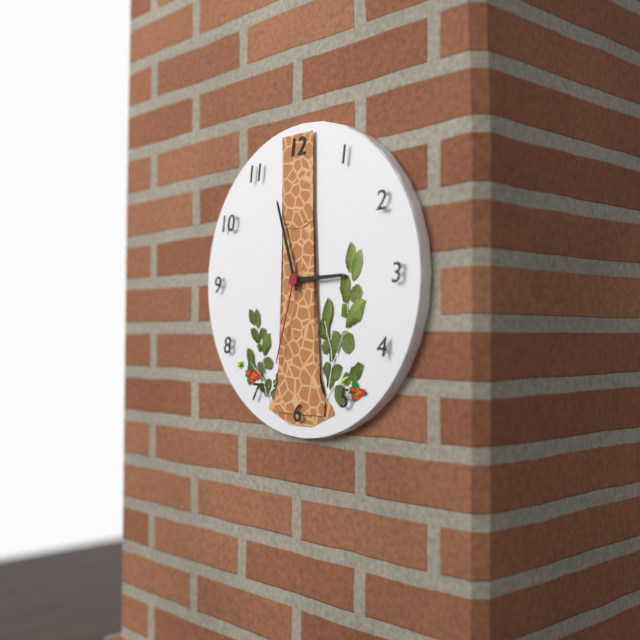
2:57:33
